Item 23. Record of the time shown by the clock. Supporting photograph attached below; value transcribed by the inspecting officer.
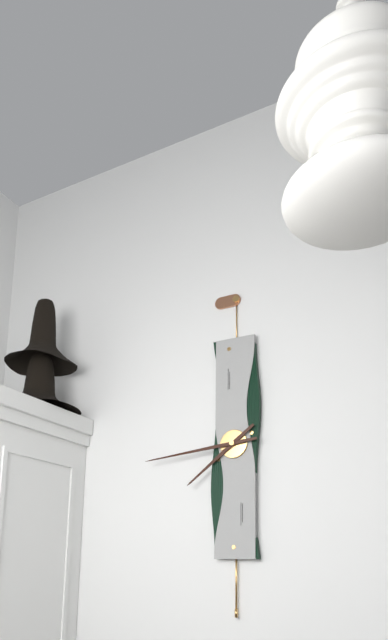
7:44
